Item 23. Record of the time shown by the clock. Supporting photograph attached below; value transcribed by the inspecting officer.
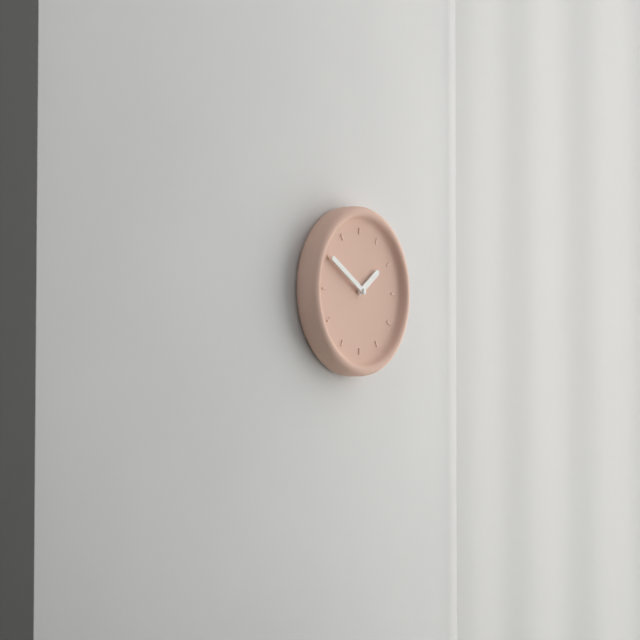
1:50
